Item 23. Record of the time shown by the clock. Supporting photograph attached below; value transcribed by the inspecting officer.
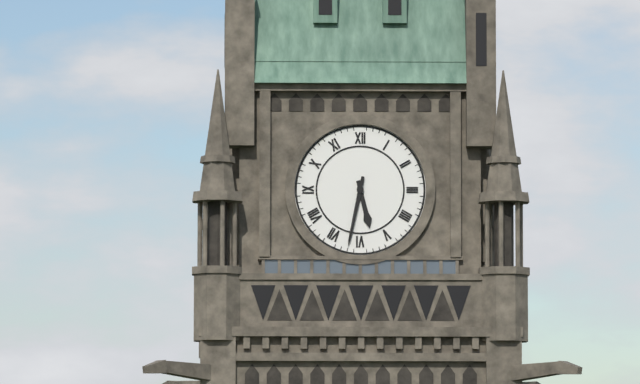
5:32
